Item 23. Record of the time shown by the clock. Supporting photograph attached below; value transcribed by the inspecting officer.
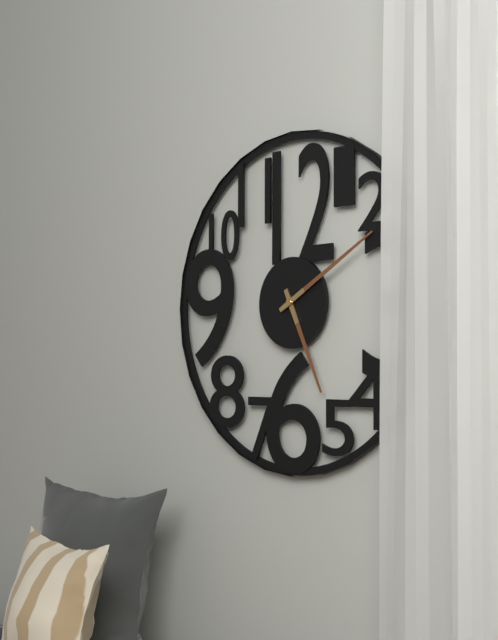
5:10
